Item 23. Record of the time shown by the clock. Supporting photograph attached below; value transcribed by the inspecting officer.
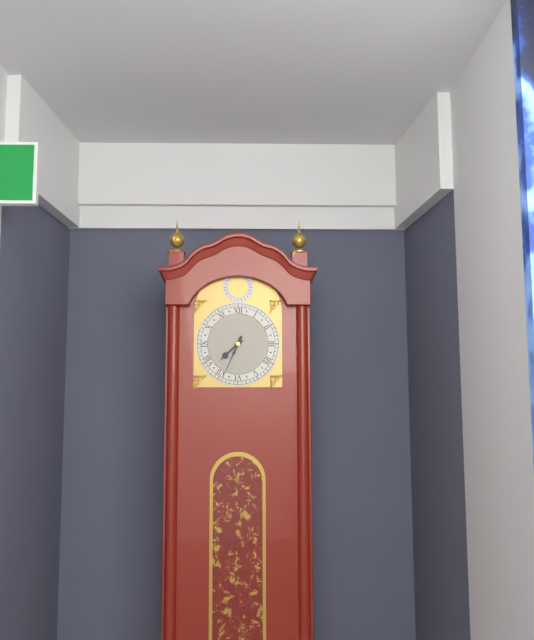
7:34
